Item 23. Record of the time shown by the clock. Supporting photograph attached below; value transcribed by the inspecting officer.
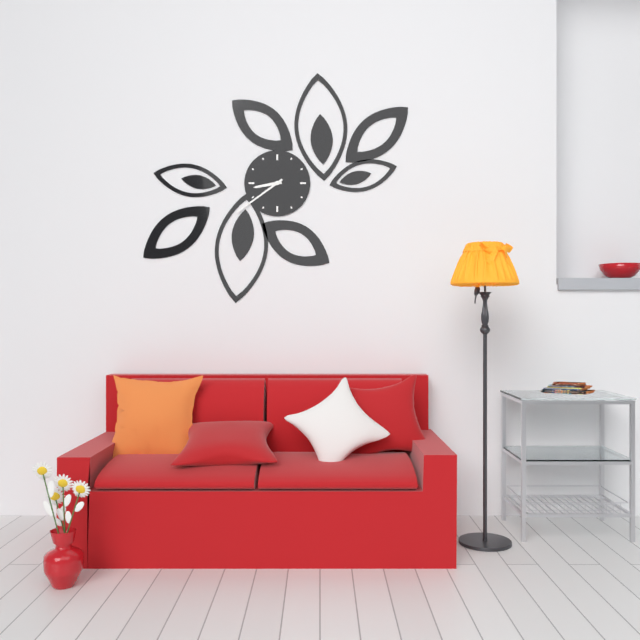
8:39
